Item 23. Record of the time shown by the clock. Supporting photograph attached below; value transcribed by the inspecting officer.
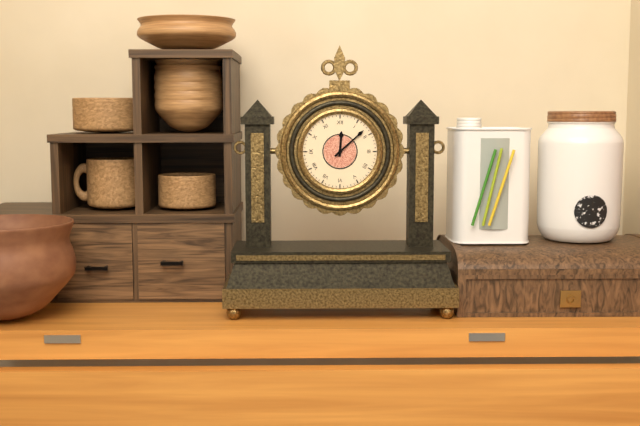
12:08
